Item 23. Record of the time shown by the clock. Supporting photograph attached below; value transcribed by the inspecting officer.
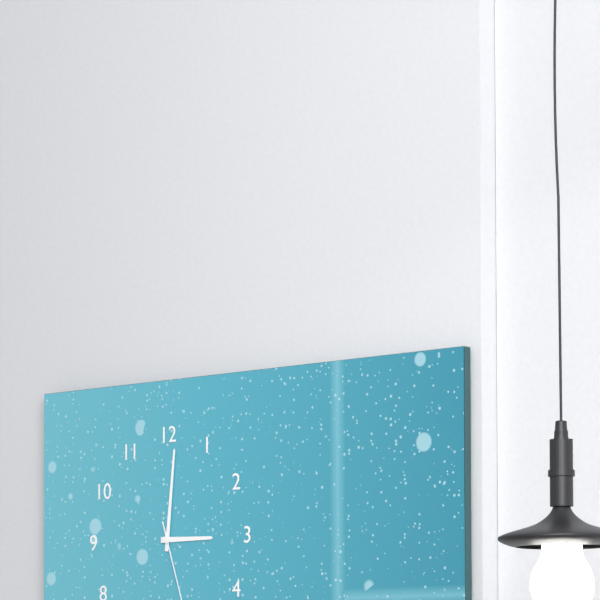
3:01
